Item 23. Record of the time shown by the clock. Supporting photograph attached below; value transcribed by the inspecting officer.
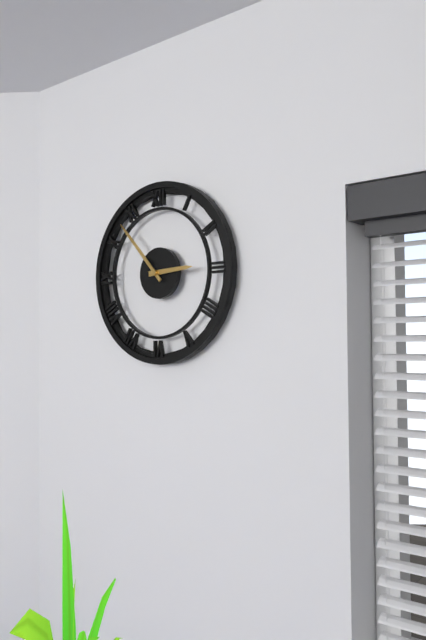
2:53
